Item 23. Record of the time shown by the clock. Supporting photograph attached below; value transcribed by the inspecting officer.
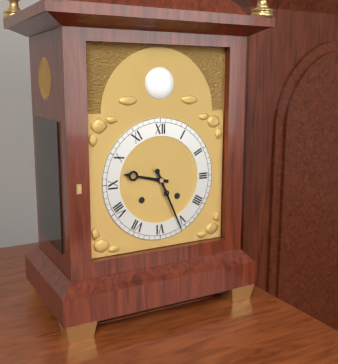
9:26
